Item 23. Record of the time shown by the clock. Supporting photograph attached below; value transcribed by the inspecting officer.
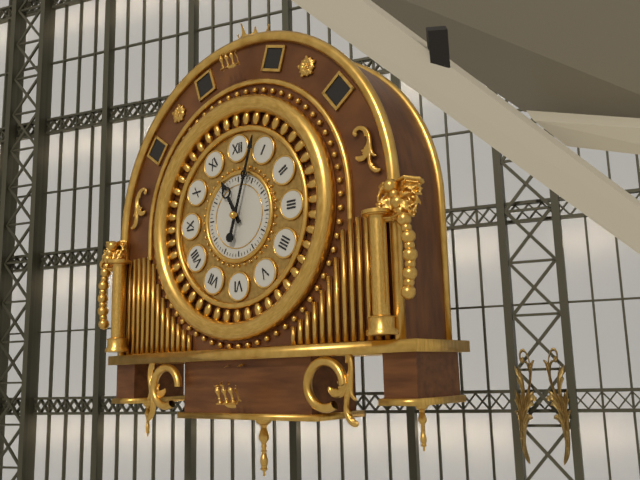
11:03
